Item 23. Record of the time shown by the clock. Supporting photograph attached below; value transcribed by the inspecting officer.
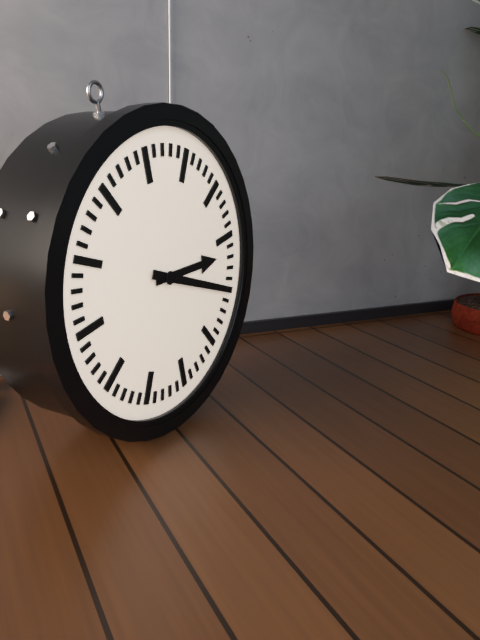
3:20
